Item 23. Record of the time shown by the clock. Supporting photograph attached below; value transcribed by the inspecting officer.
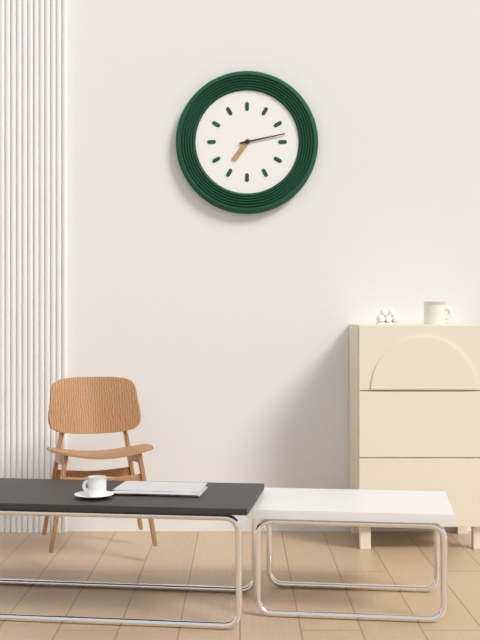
7:13
